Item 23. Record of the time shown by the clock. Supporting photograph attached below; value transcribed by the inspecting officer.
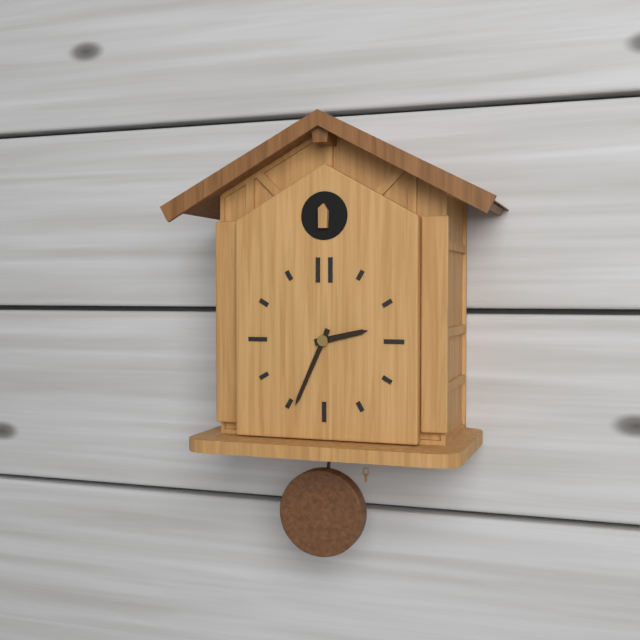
2:34
